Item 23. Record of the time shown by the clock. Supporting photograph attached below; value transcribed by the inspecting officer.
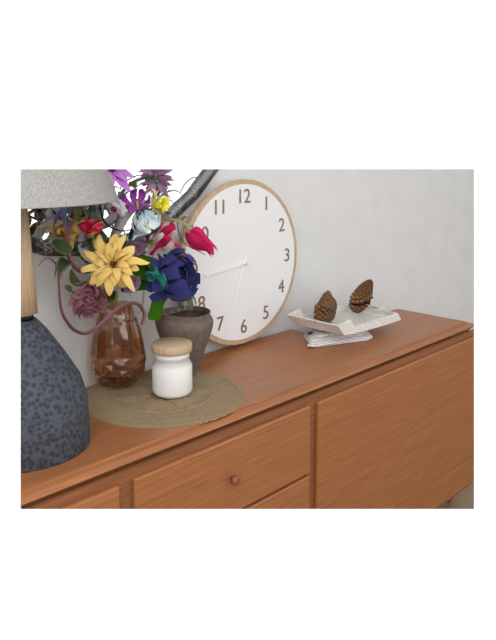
6:44
